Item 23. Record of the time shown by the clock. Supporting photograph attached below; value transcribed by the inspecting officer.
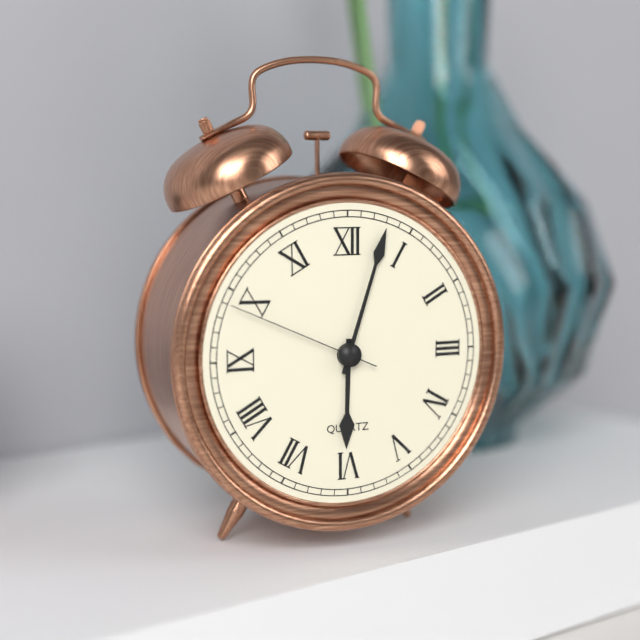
6:03:49
